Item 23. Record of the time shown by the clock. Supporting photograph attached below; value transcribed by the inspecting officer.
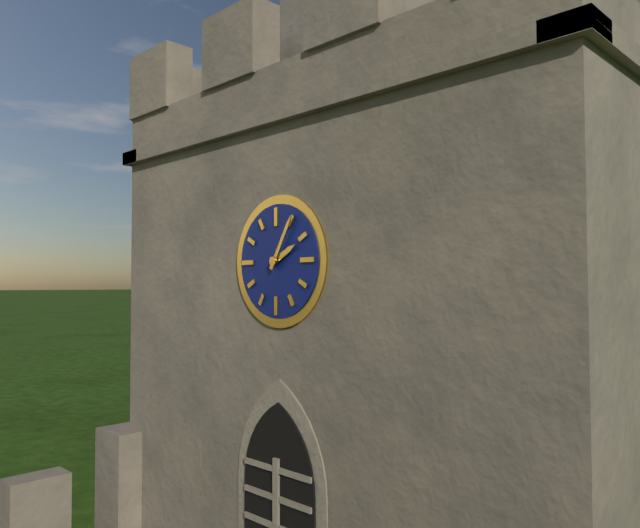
2:05
